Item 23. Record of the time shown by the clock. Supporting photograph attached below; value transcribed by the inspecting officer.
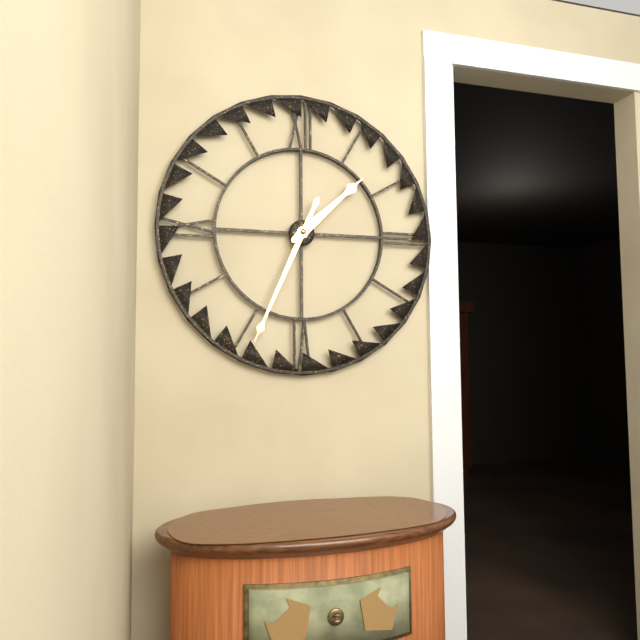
1:34
